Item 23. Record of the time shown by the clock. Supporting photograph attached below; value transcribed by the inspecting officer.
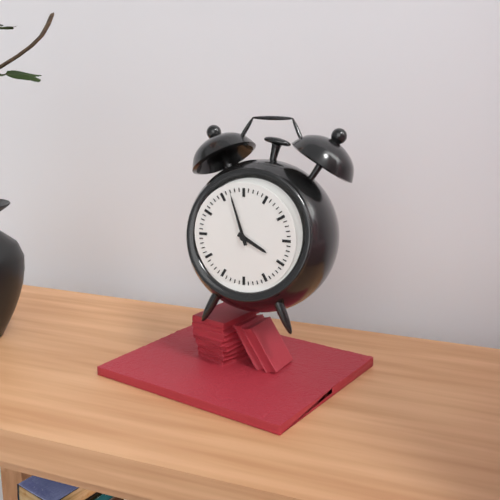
3:57
